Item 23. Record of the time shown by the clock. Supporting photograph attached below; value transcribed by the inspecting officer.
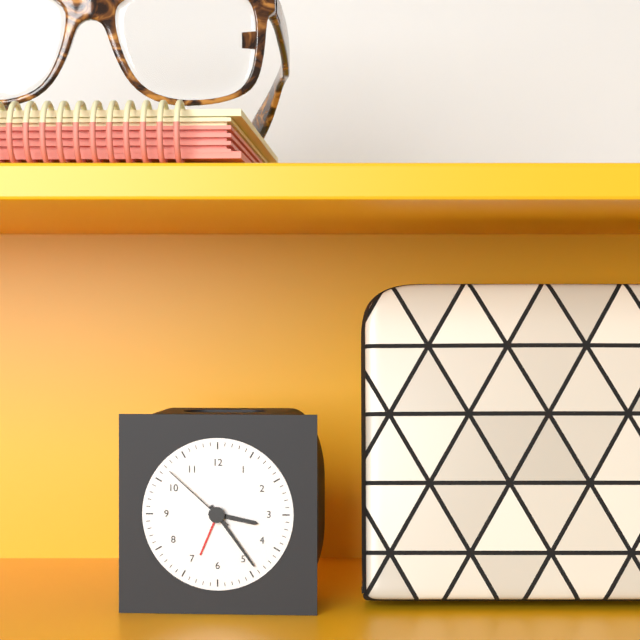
3:24:52
